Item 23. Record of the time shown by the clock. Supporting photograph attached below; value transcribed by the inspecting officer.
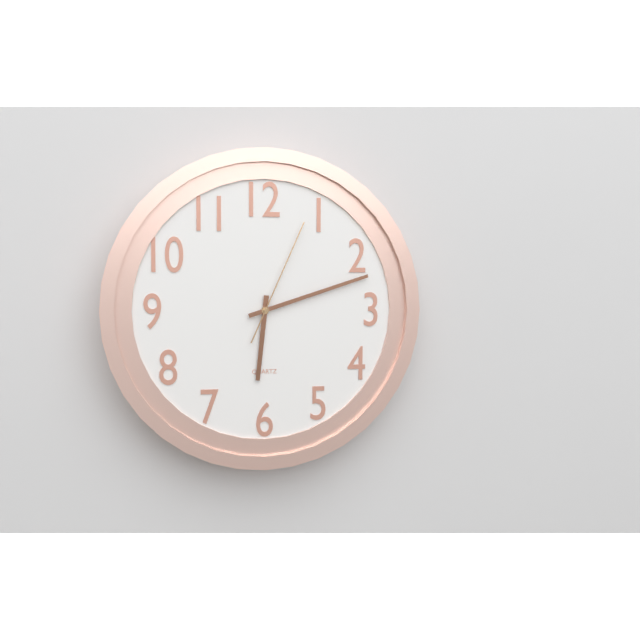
6:12:04
